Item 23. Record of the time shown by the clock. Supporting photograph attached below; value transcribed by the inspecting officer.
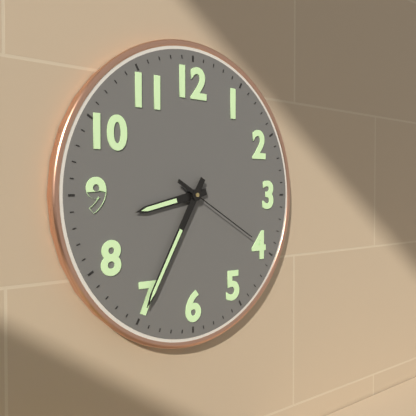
8:35:20
